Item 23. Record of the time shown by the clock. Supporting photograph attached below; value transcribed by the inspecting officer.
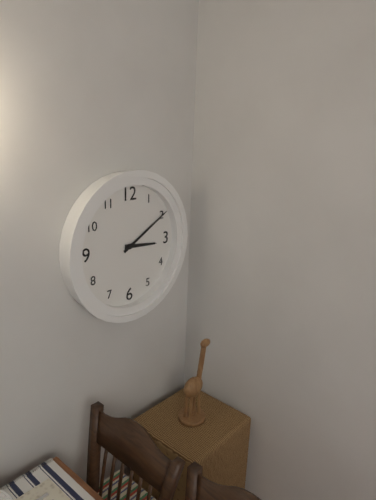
3:10
